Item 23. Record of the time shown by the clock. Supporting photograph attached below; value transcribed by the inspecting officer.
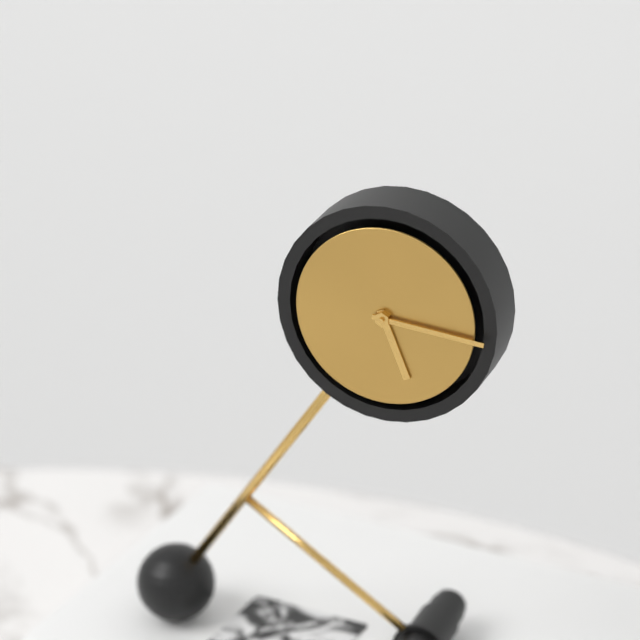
5:16
